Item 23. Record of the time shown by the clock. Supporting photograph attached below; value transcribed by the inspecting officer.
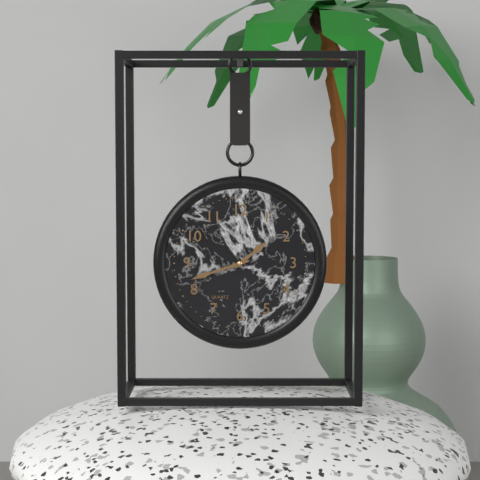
1:42
